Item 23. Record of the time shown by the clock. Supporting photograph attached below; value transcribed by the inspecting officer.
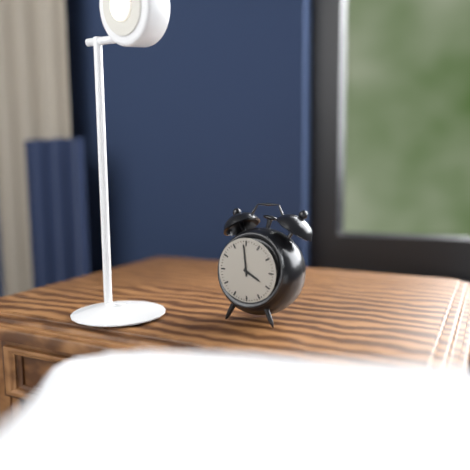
3:59
